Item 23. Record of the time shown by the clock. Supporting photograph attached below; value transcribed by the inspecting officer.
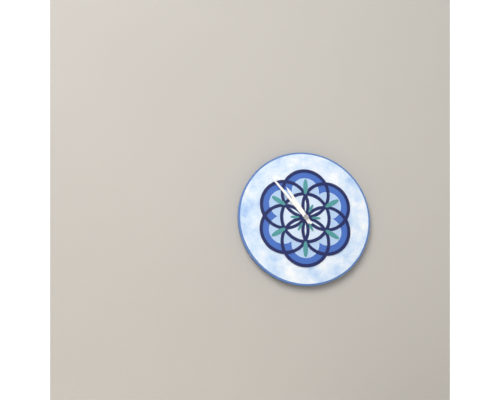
10:53
